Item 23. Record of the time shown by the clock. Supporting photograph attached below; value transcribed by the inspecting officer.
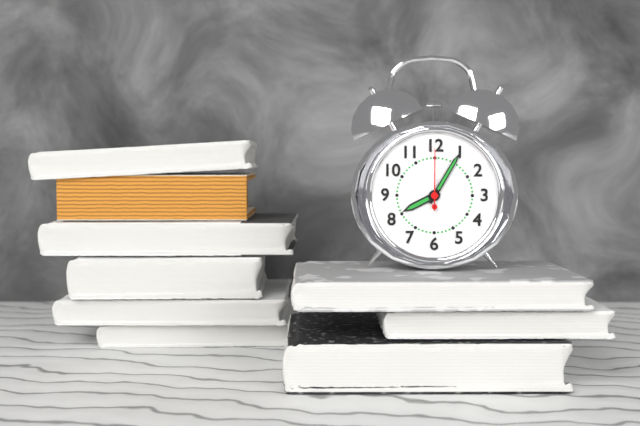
8:05:00
